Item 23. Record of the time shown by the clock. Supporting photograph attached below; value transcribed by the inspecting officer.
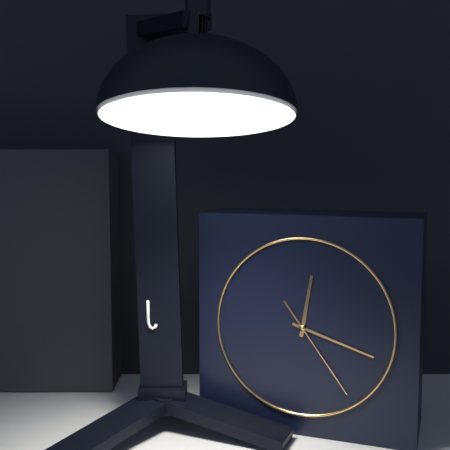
12:18:24
